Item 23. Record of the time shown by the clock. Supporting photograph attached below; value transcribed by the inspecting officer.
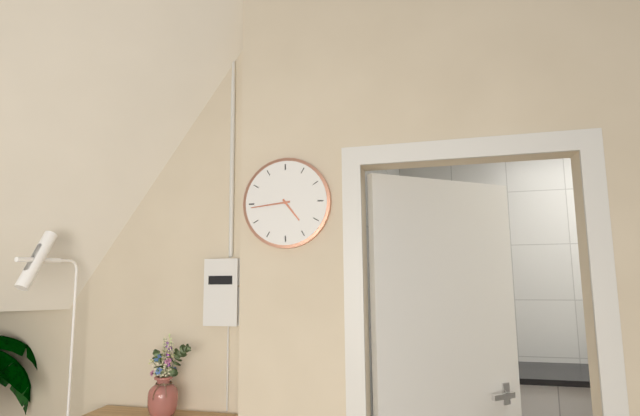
4:44
